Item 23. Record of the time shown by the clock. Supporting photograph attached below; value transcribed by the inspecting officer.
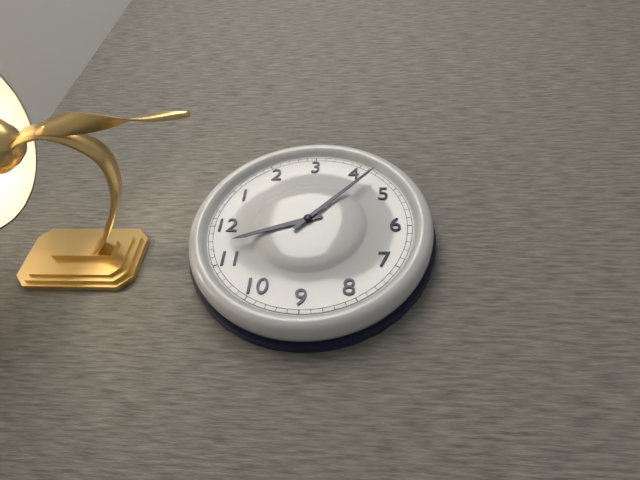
11:22
